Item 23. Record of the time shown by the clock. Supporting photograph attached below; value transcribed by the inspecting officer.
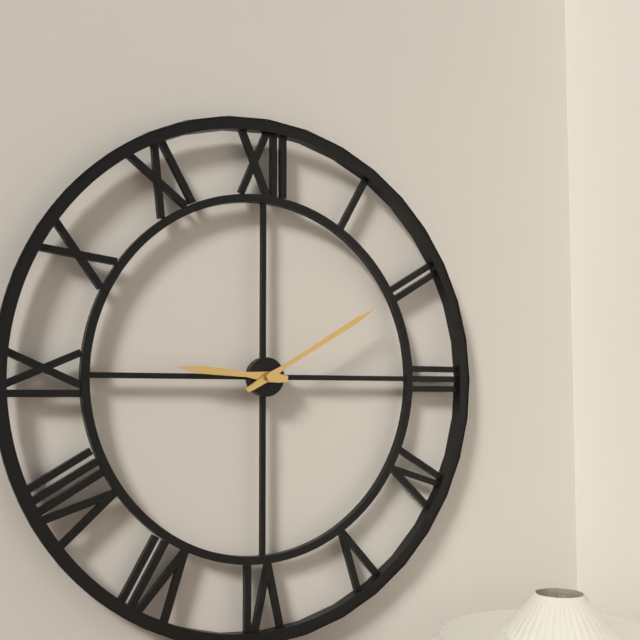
9:10
